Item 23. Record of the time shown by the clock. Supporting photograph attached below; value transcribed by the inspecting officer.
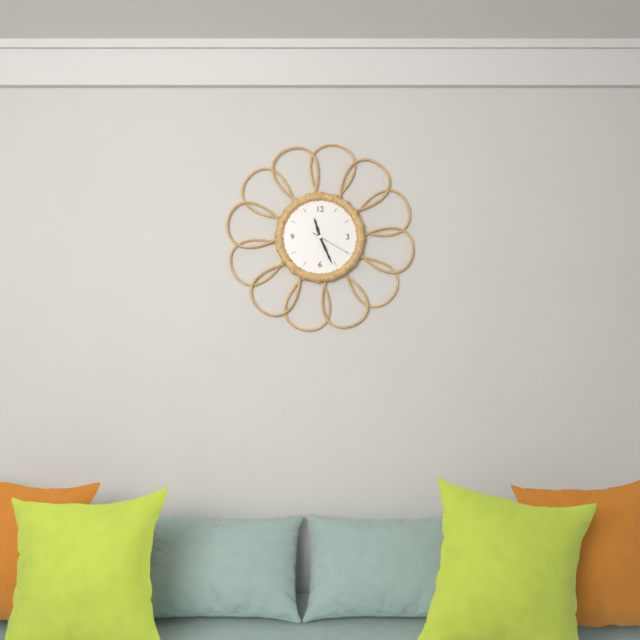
11:26
